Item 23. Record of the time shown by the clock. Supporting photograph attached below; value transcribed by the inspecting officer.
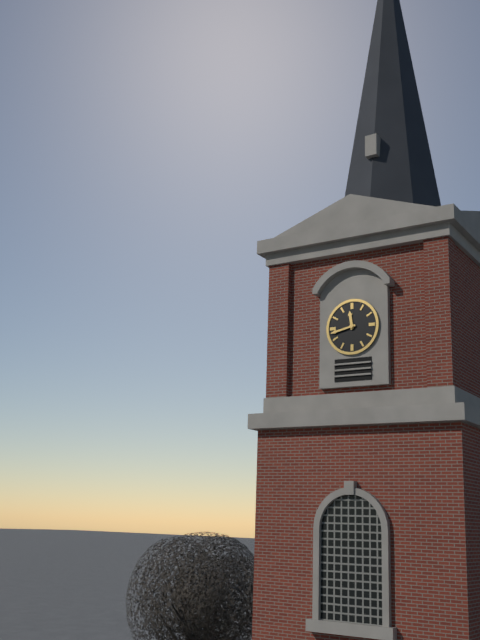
11:43
